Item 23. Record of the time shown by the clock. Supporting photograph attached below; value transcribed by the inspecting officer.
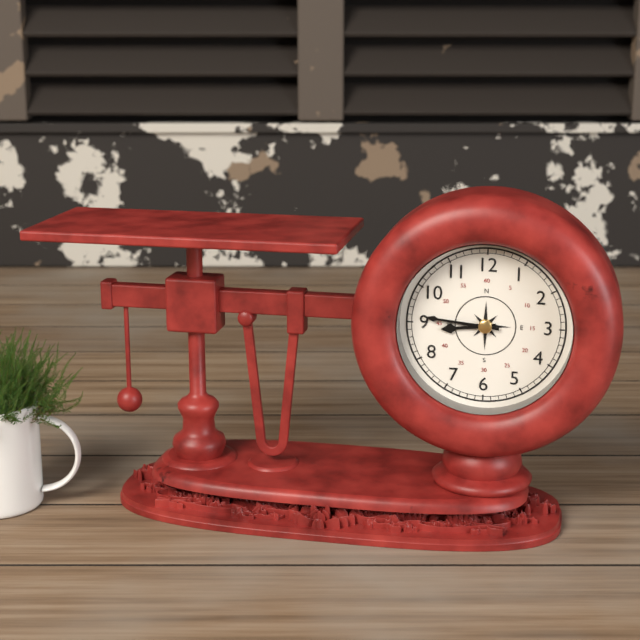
8:46
